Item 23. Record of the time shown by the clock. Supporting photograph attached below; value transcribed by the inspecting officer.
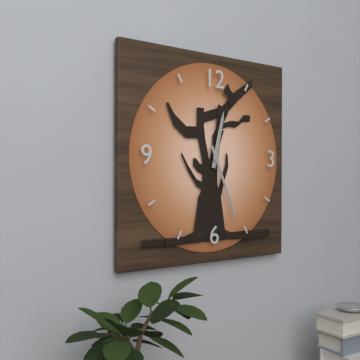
12:26
